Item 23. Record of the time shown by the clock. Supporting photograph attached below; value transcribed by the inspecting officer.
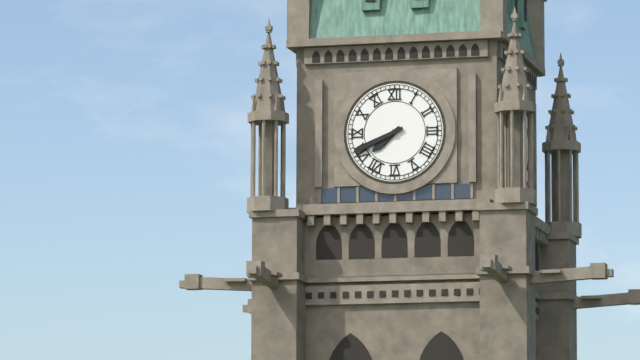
7:41
